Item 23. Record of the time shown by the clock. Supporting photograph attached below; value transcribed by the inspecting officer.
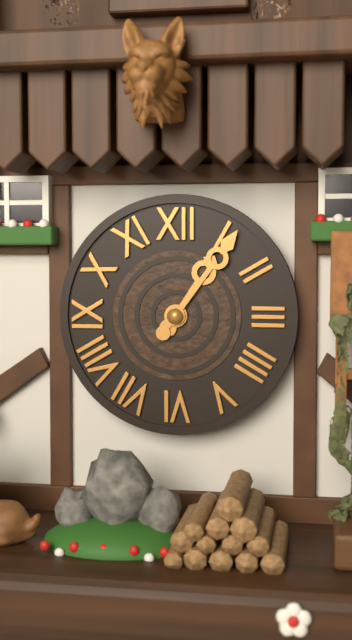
1:06
